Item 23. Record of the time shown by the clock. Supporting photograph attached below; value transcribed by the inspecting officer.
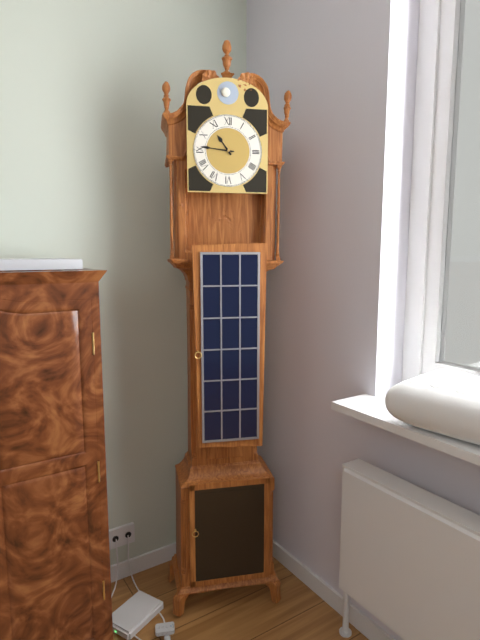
10:46
